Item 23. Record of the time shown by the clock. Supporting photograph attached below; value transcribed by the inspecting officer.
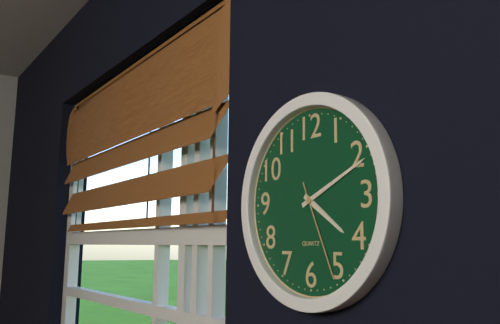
4:11:26
